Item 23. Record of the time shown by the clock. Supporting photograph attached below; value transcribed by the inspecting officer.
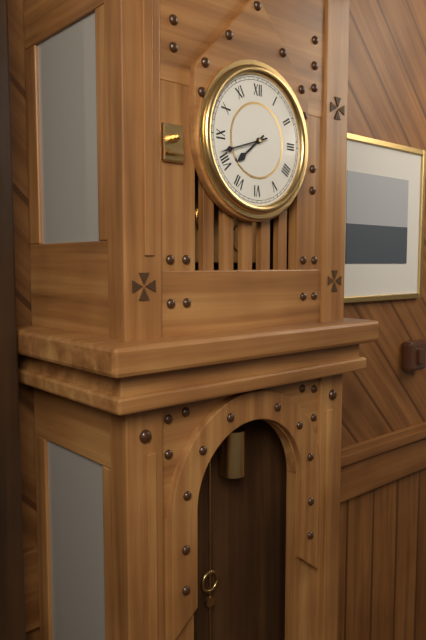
7:42
